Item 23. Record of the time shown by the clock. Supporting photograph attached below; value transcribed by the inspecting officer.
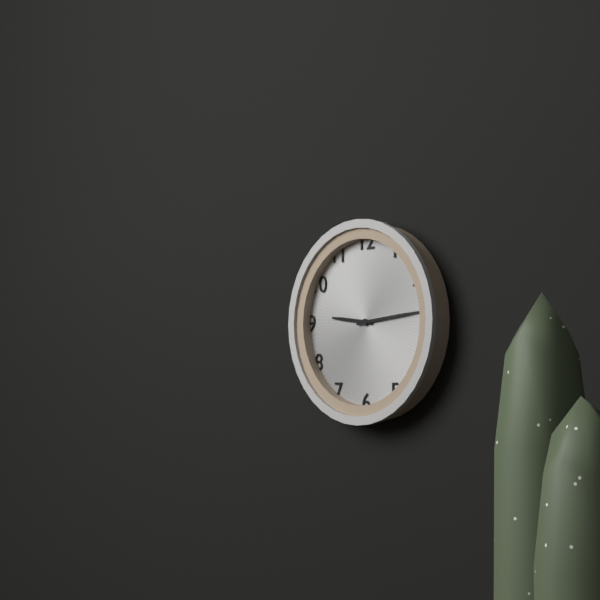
9:14
